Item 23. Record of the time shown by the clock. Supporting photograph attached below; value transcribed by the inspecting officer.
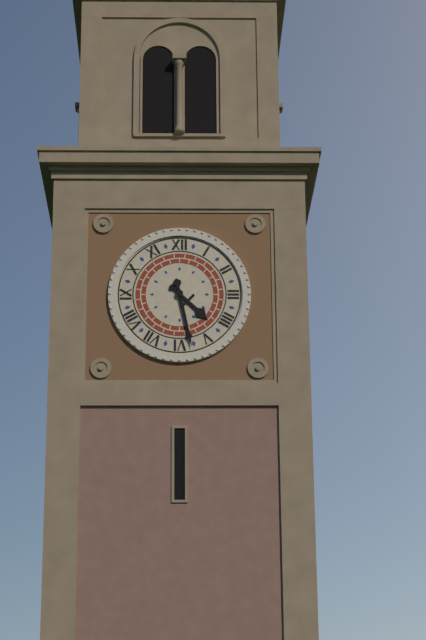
4:28
